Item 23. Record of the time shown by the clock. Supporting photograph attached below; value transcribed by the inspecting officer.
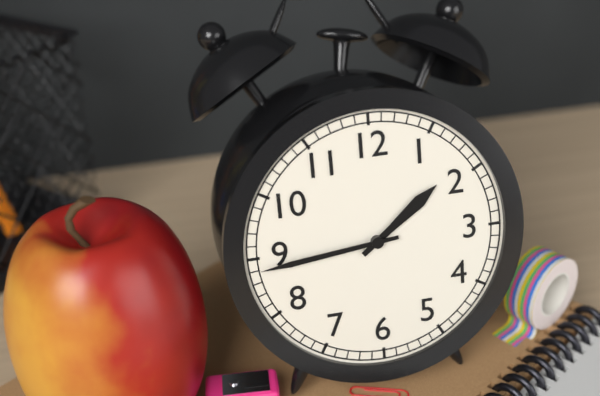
1:44
